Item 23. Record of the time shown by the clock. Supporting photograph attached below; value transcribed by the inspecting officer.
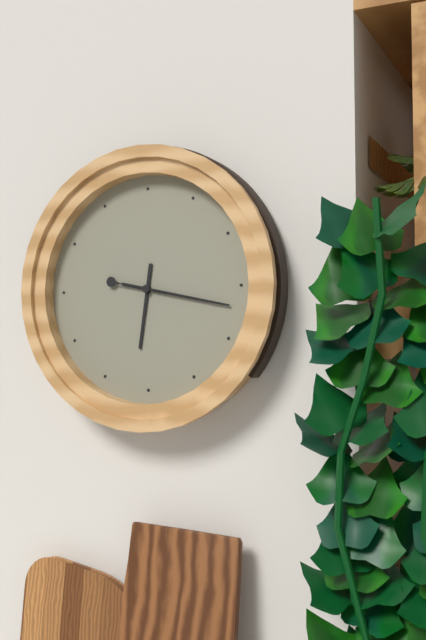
6:17:17
